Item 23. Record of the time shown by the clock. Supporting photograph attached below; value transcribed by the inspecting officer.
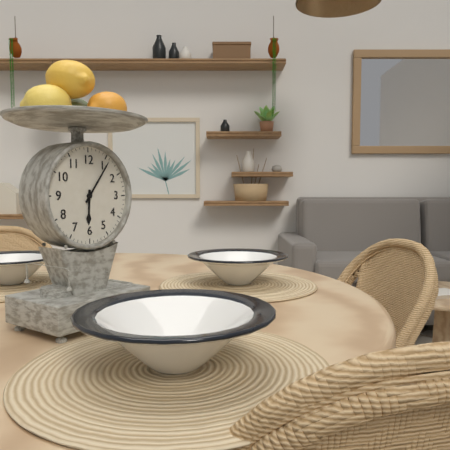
6:06
